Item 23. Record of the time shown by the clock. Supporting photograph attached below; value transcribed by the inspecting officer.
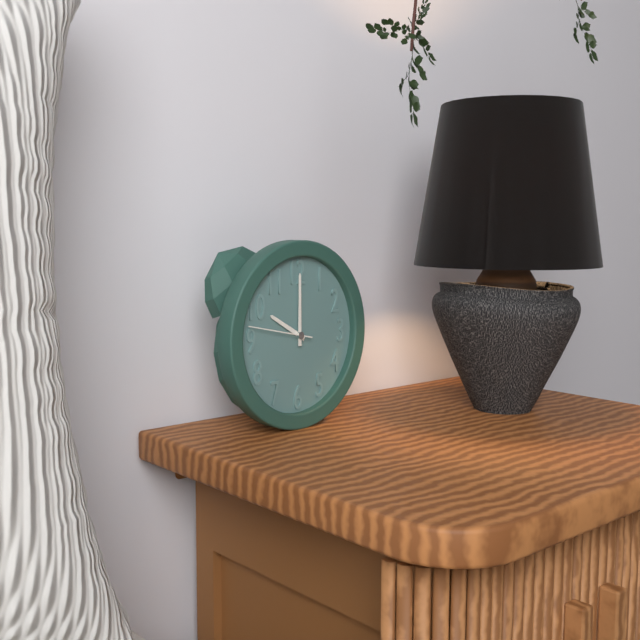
10:00:47
